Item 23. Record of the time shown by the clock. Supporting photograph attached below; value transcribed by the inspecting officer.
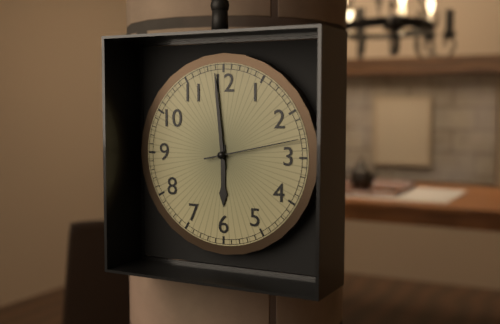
5:59:13
